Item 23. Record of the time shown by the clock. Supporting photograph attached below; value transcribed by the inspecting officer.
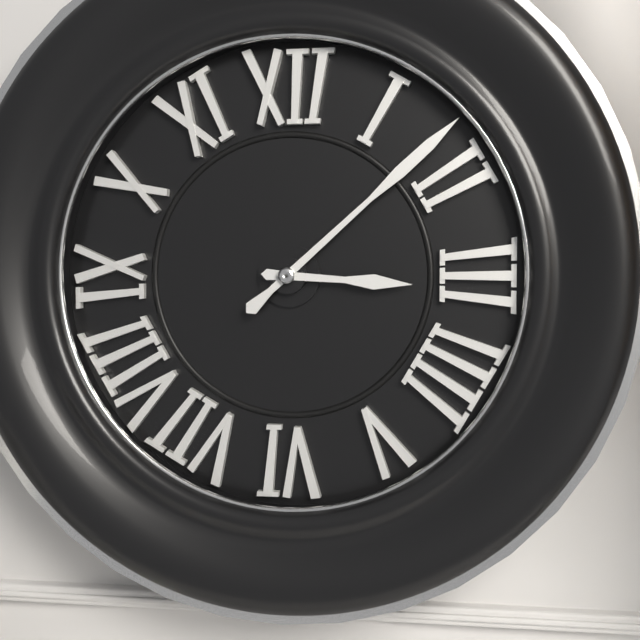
3:08
